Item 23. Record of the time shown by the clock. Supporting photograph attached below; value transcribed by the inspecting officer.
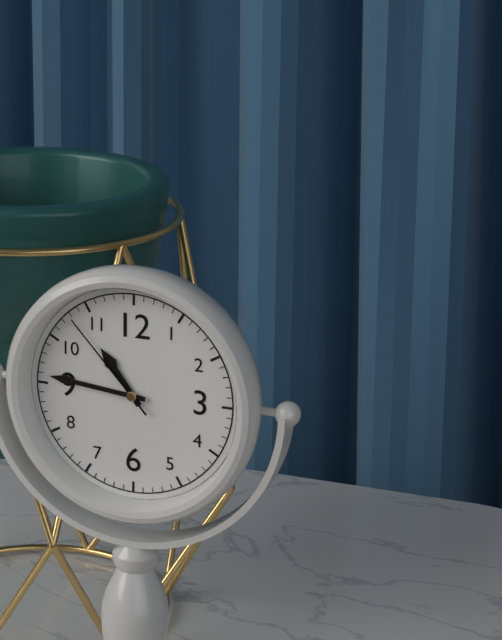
10:46:53
